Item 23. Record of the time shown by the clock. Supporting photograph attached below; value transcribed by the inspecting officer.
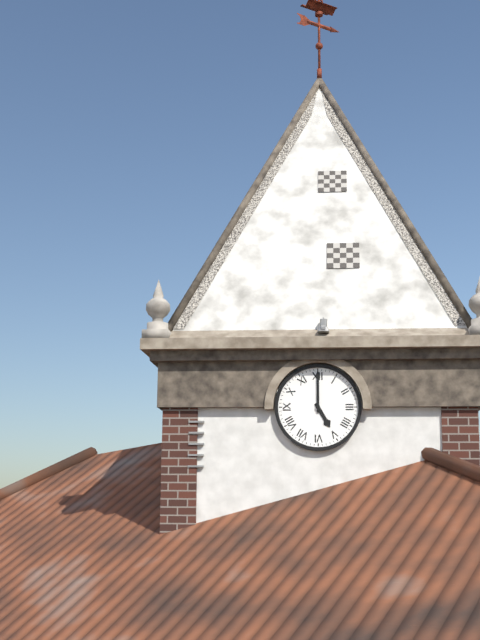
5:00
